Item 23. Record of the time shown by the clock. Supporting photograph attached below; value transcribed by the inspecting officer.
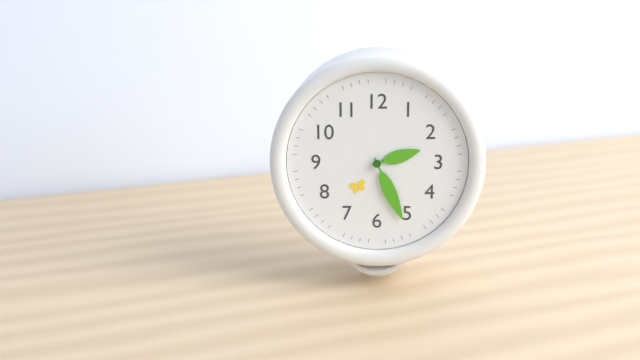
2:26
